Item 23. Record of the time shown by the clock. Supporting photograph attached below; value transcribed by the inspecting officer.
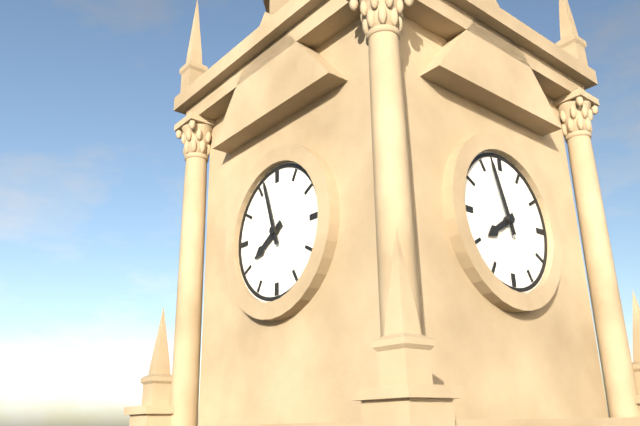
7:57
